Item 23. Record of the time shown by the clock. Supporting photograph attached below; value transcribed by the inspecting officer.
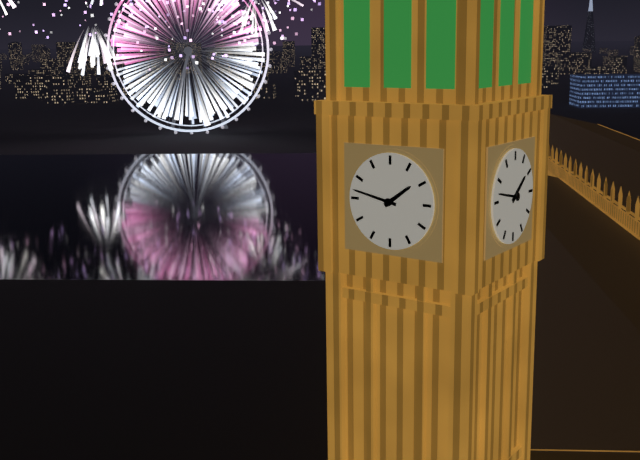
1:47
